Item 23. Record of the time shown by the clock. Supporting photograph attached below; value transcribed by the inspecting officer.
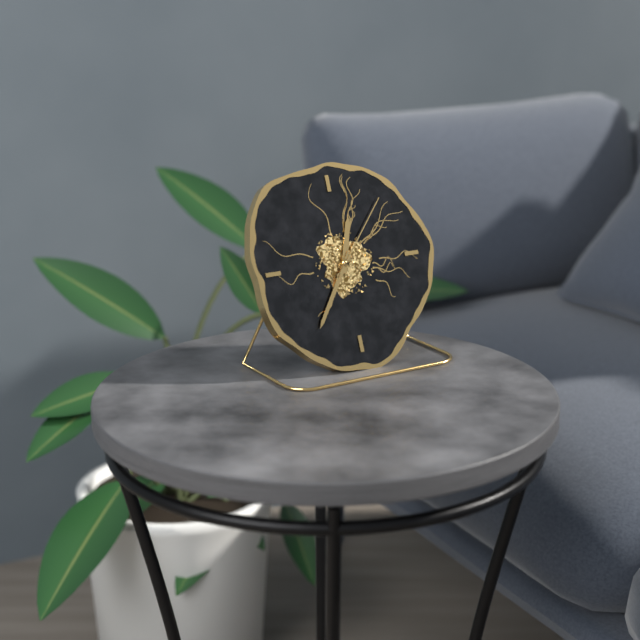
12:36:07
